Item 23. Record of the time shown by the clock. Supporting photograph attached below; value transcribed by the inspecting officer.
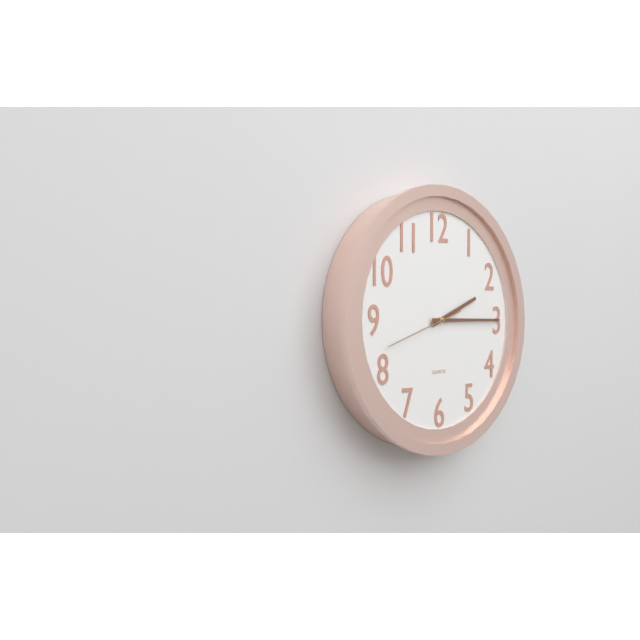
2:15:42
